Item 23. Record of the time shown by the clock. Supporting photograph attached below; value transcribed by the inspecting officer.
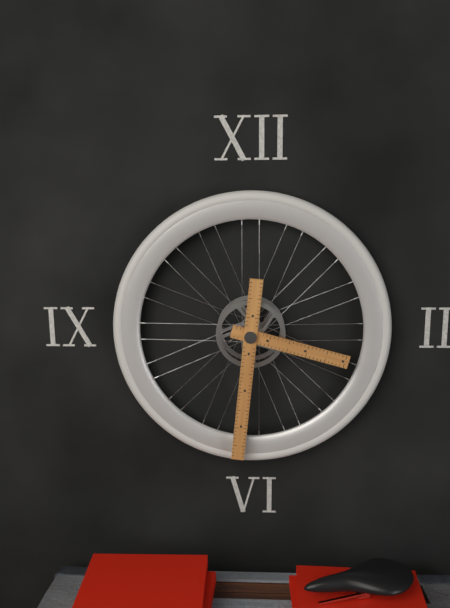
3:31
